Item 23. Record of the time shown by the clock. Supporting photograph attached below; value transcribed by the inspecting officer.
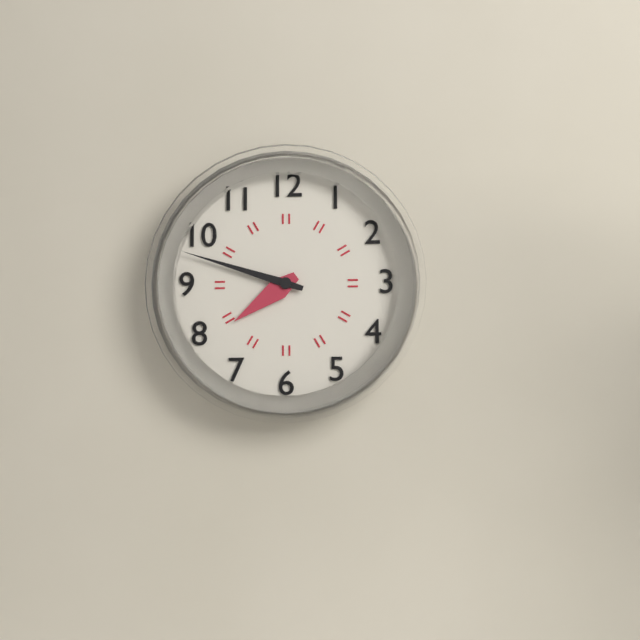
7:48
